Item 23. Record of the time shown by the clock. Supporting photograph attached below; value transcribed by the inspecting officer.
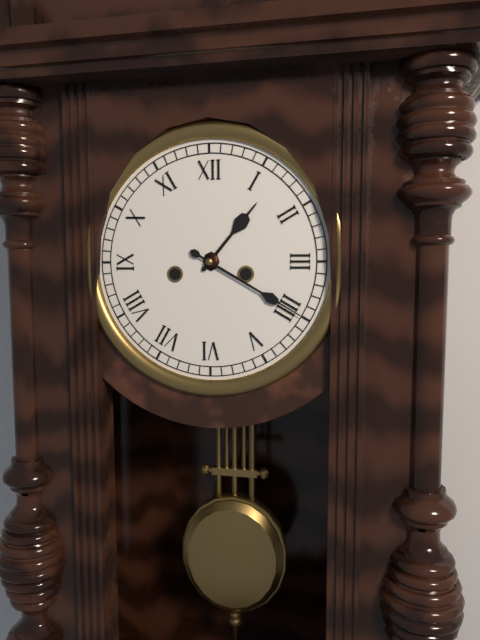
1:20
